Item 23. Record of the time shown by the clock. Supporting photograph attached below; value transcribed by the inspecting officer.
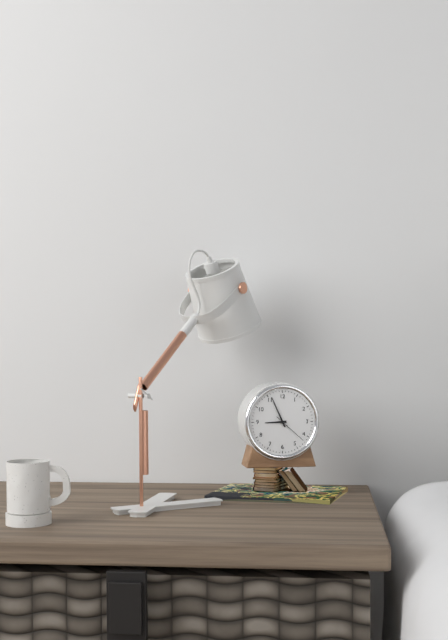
8:56
